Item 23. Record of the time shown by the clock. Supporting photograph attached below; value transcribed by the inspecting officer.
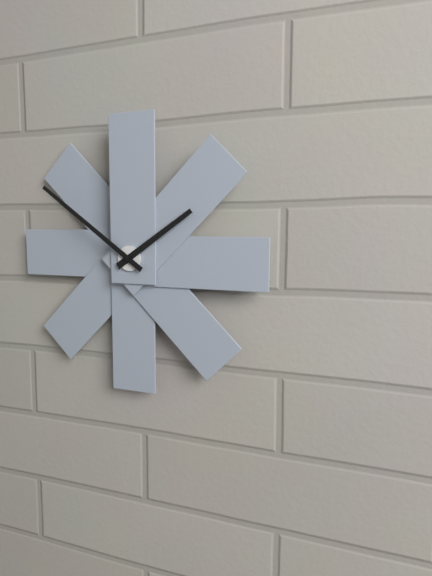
1:51
